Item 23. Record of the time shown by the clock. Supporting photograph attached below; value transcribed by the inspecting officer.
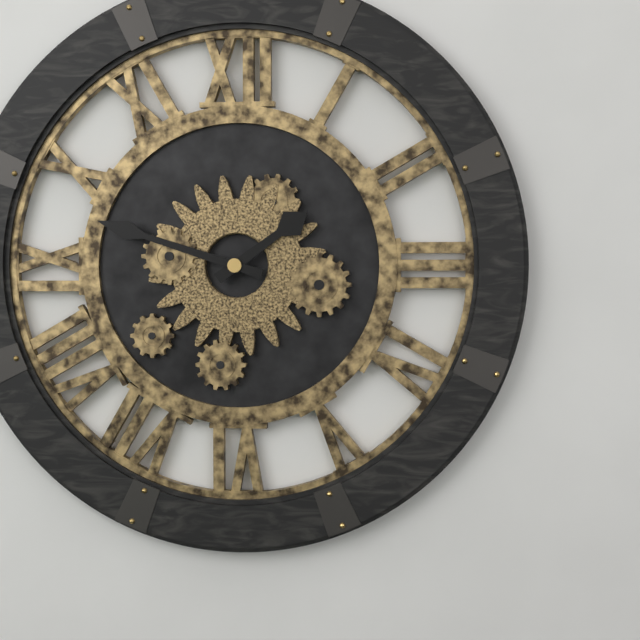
1:48
